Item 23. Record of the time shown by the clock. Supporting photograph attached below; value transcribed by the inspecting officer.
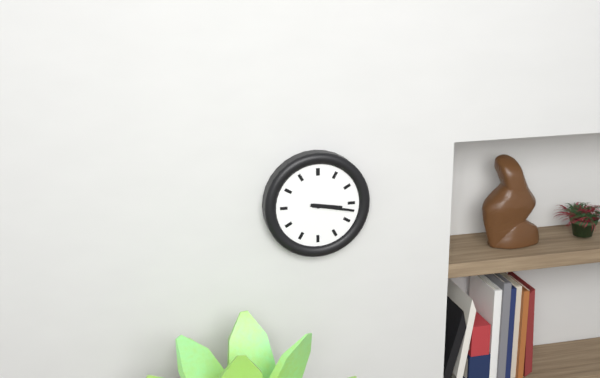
3:17
